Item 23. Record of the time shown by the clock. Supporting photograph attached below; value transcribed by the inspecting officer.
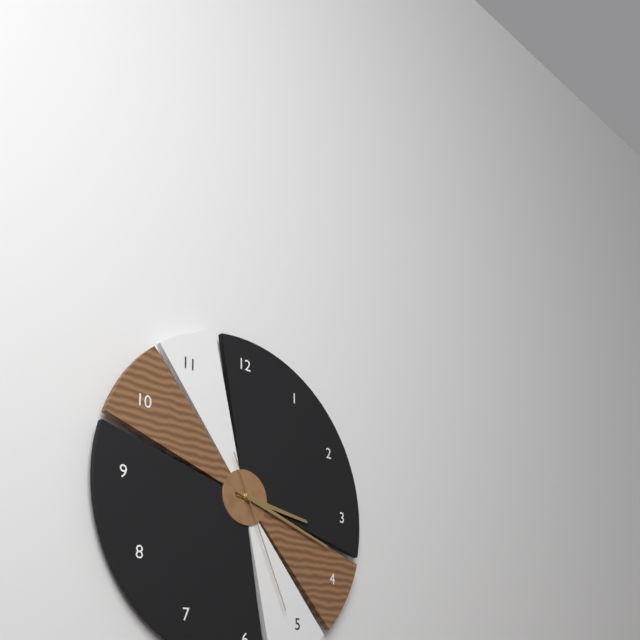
3:18:26
